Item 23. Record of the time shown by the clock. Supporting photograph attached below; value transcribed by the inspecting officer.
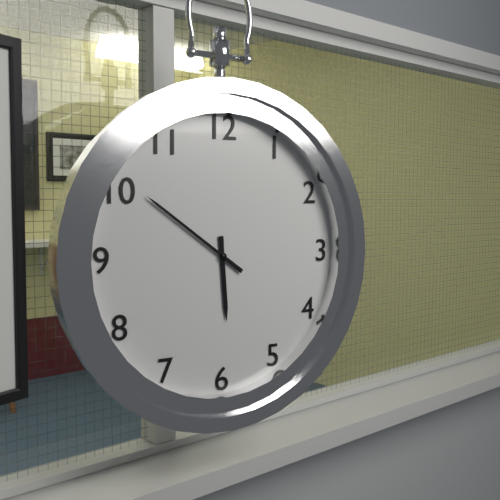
5:51
